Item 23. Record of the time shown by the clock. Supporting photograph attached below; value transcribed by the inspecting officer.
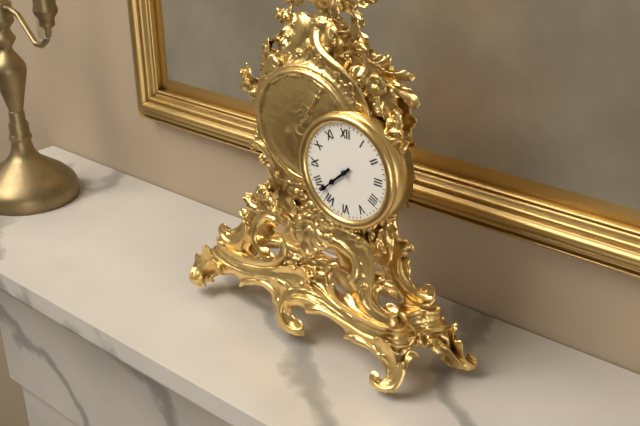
7:38
